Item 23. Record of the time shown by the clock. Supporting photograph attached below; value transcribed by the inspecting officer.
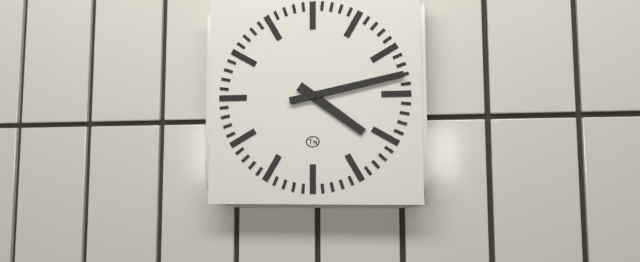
4:13
